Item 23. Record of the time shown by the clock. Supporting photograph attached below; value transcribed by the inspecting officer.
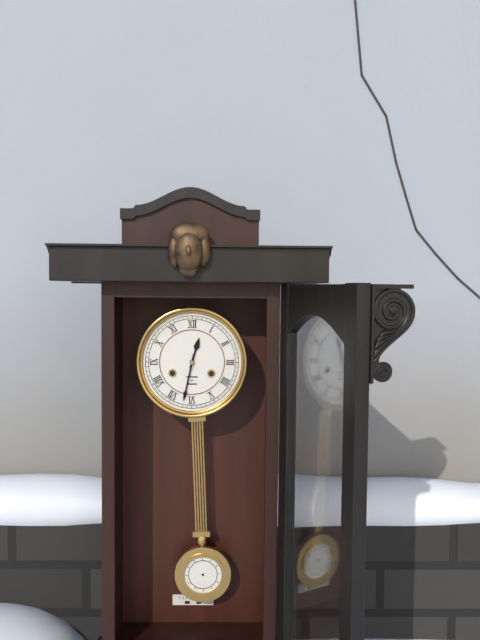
12:32
